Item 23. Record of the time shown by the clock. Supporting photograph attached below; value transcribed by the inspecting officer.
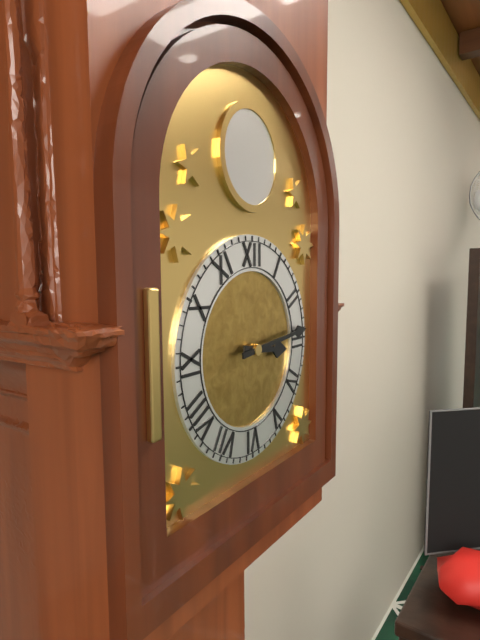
3:14
